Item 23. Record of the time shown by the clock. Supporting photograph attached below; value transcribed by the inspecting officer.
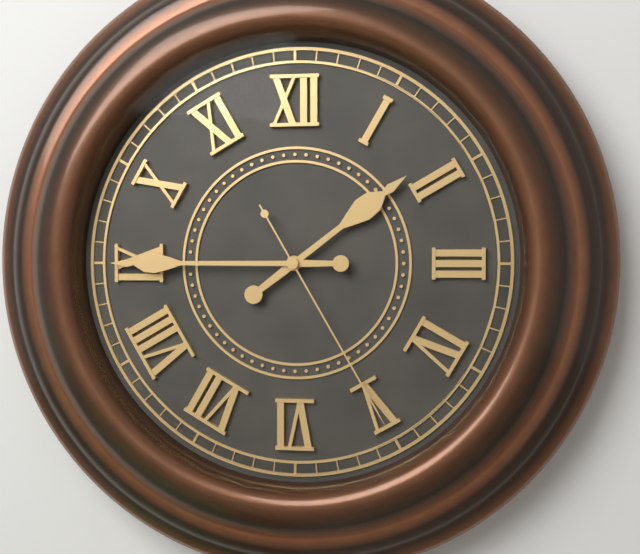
1:45:25
